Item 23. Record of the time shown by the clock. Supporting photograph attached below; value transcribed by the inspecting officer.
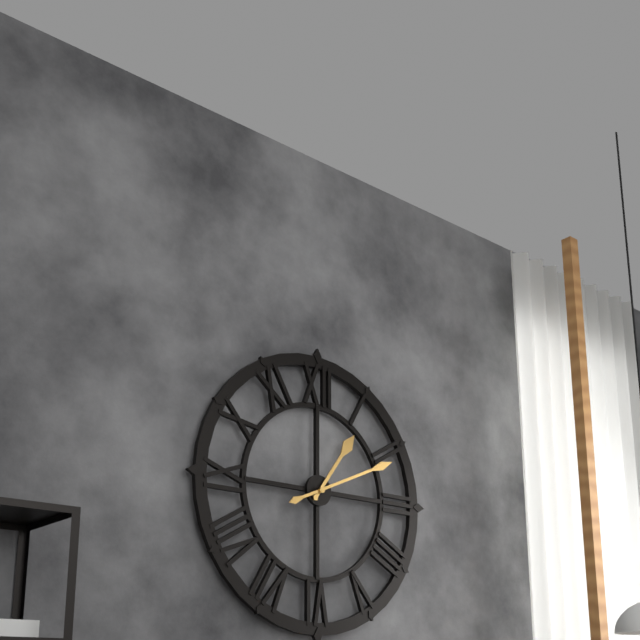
1:11
